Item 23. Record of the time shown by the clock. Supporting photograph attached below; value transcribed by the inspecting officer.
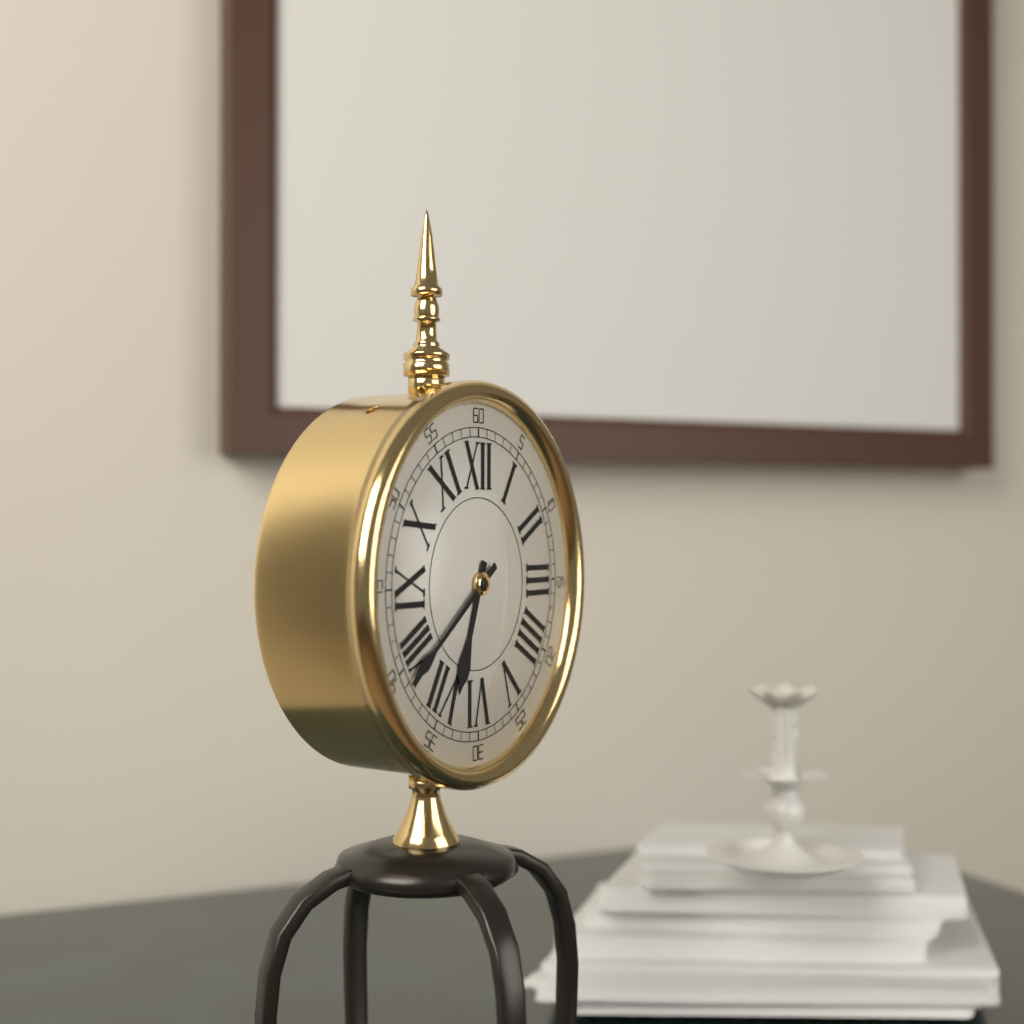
6:39
